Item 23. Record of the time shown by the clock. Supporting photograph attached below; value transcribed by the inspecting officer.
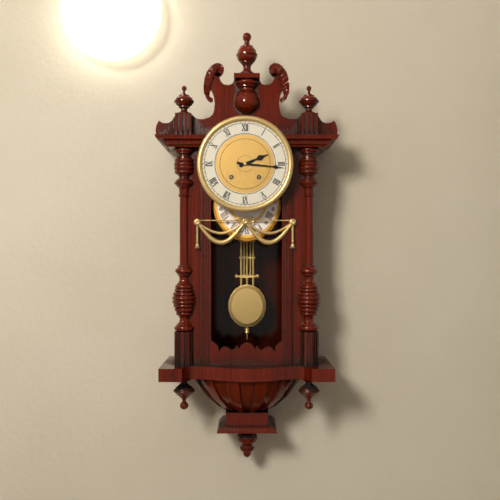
2:16
